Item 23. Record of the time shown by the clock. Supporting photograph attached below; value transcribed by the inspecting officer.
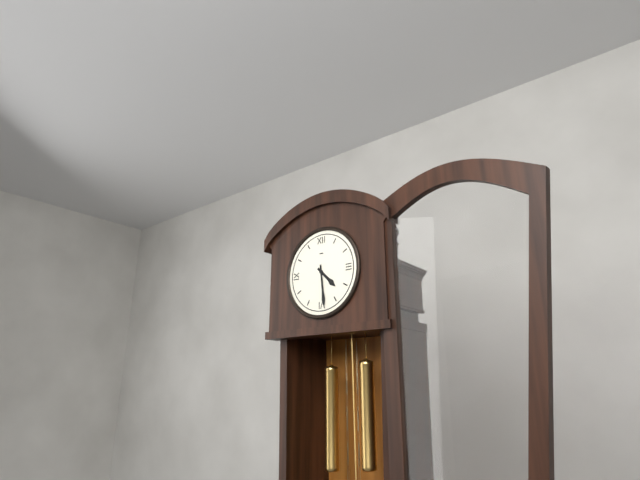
4:29
